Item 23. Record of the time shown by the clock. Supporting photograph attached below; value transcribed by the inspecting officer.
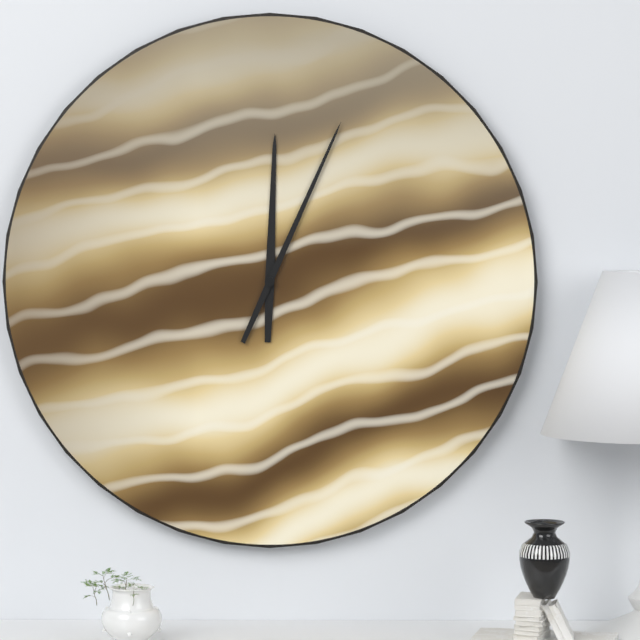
12:04
